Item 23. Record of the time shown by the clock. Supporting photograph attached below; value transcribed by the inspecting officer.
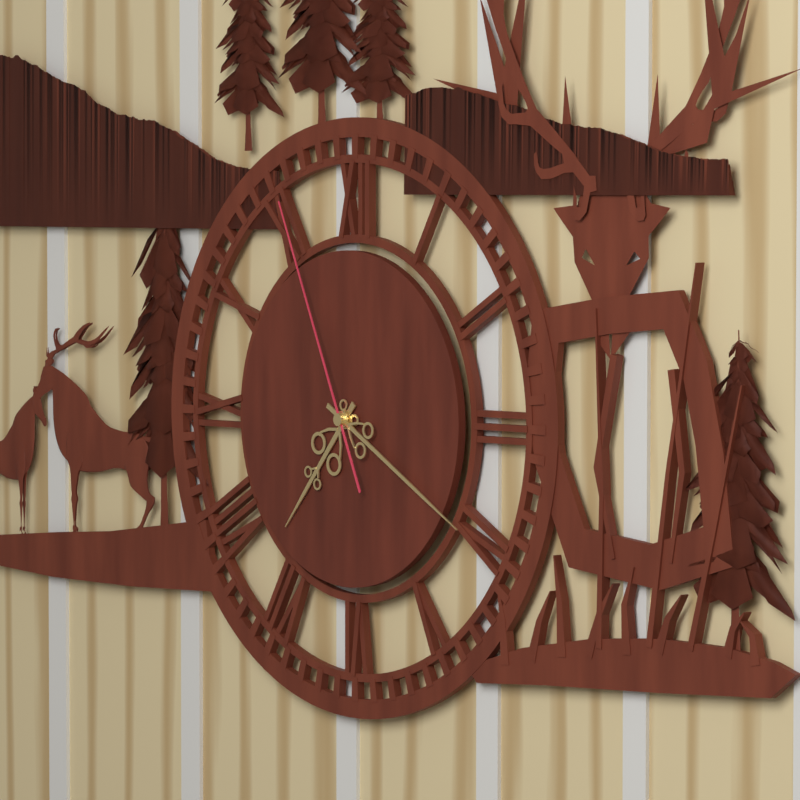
7:20:56
